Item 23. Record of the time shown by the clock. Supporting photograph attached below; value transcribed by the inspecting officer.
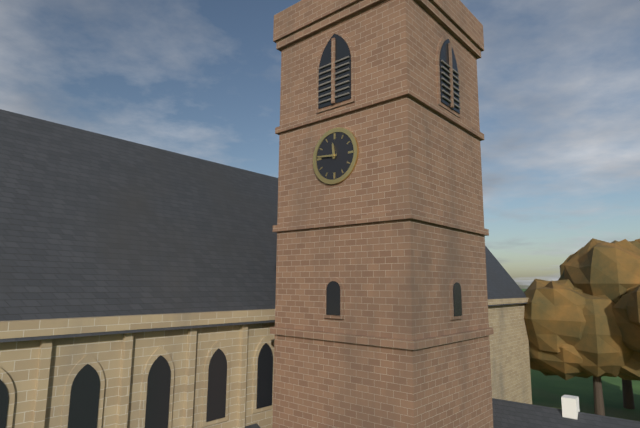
11:46
